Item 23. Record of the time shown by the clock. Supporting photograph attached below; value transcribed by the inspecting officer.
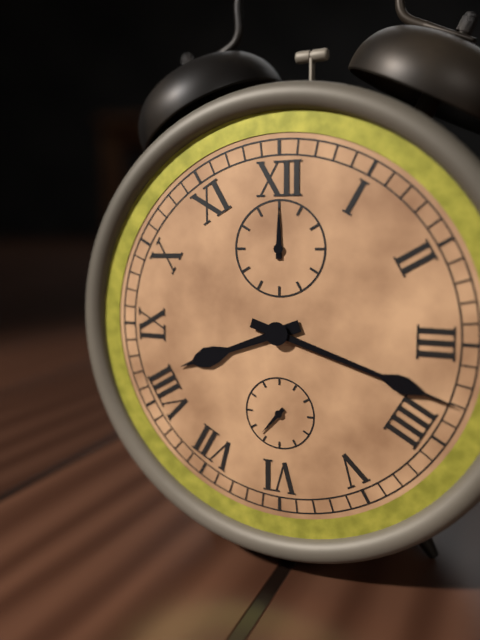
8:18
